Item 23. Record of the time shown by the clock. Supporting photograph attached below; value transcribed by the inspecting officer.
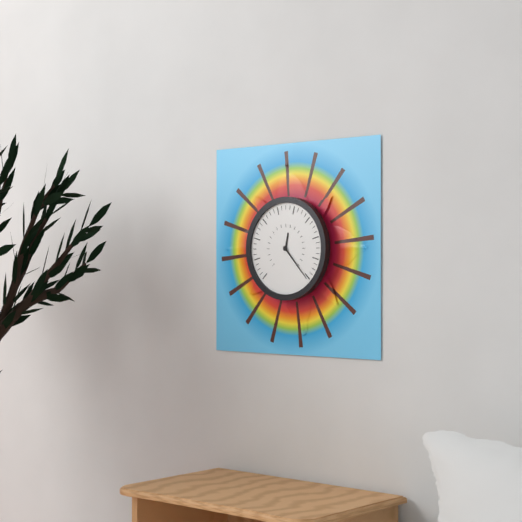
12:23
